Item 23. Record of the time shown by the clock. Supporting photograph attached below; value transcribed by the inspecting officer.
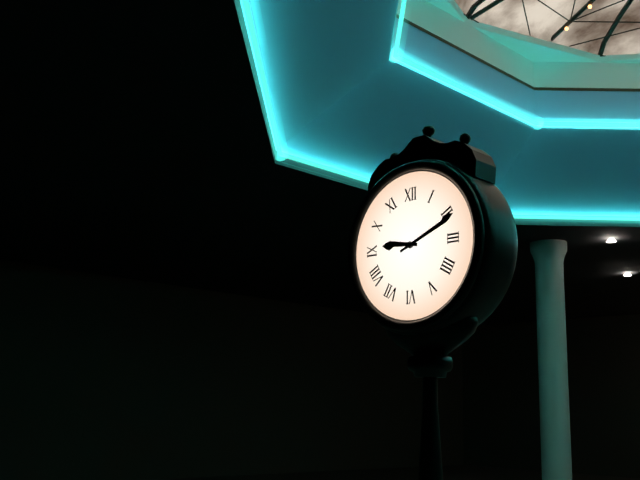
9:11
